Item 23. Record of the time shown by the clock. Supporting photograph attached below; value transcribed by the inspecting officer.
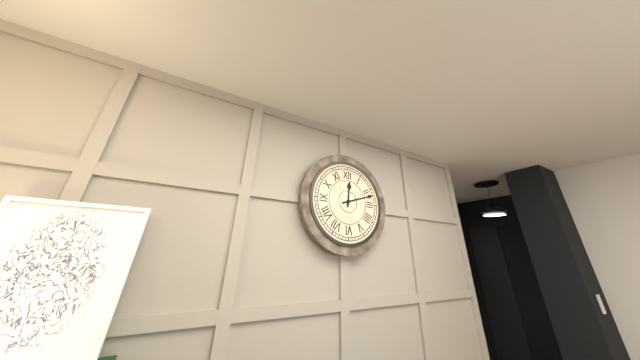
12:12
